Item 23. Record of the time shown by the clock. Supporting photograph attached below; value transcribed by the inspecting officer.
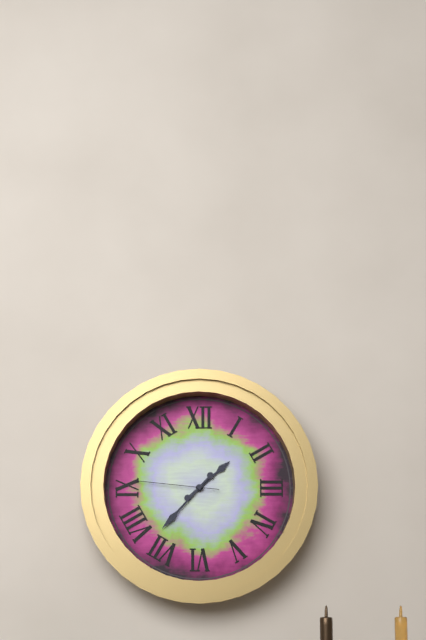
1:37:46
